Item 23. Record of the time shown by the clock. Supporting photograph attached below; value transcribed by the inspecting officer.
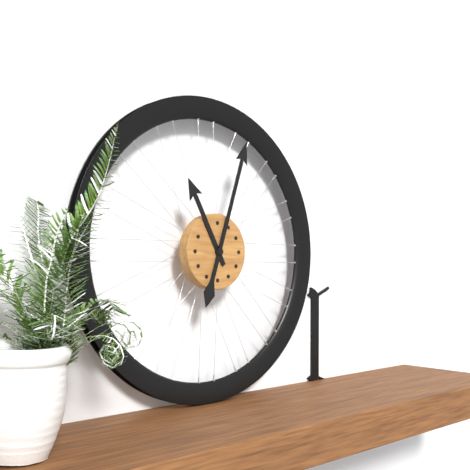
11:03
